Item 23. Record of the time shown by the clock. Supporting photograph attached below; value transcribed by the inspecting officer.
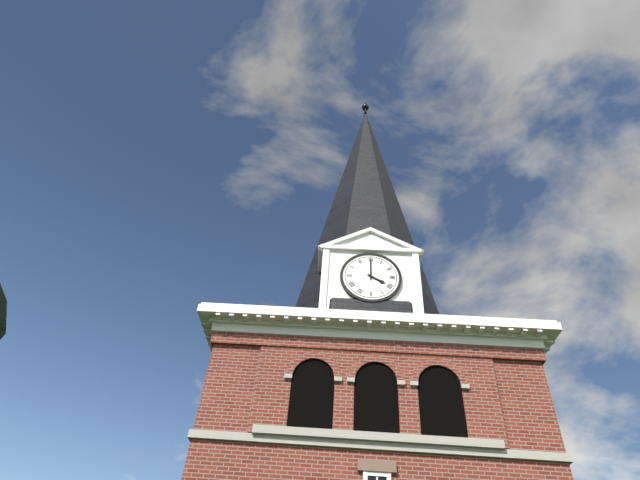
4:00
